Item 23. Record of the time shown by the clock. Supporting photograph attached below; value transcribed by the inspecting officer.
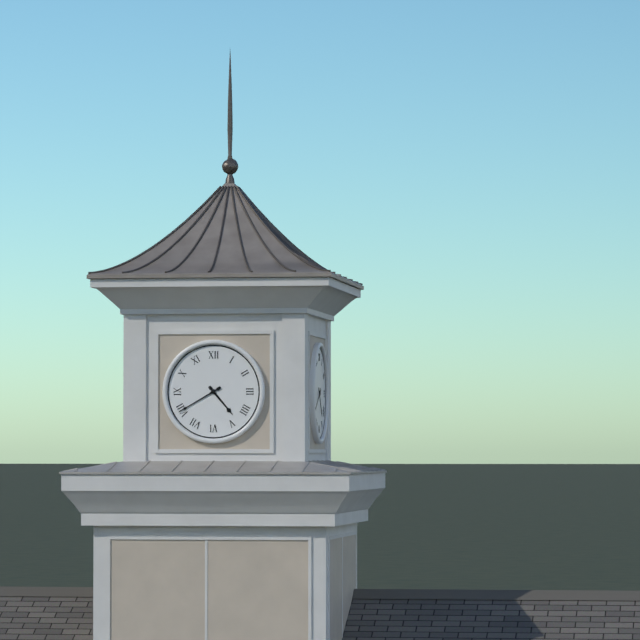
4:40
